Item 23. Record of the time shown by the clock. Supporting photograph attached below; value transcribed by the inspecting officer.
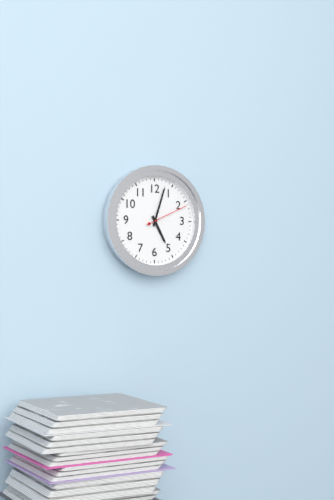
5:03
